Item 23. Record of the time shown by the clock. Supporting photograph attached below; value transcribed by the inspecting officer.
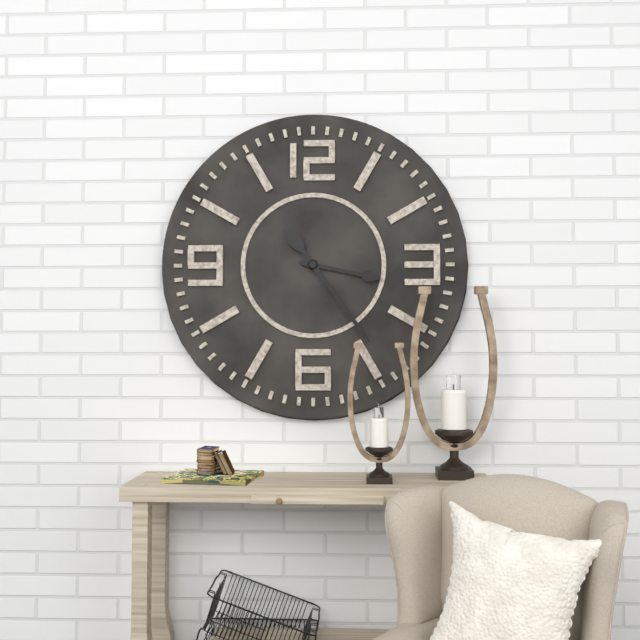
3:24
